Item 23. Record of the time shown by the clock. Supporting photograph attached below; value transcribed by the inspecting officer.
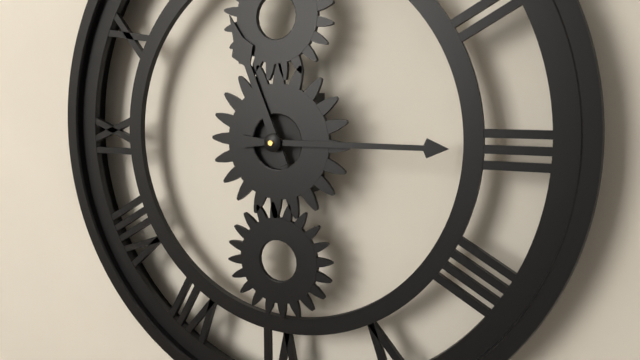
11:15
